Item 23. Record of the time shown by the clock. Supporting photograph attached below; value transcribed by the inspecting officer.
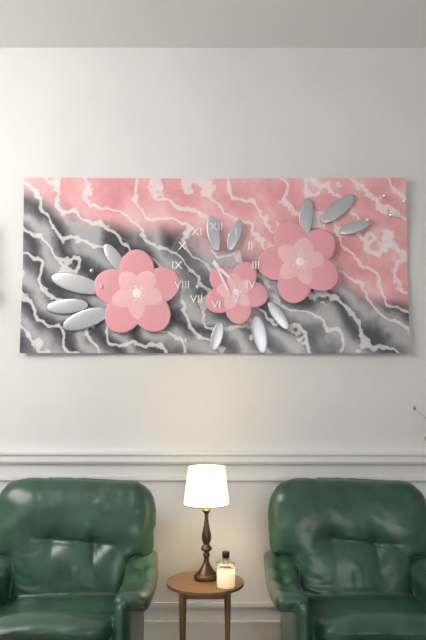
4:26
